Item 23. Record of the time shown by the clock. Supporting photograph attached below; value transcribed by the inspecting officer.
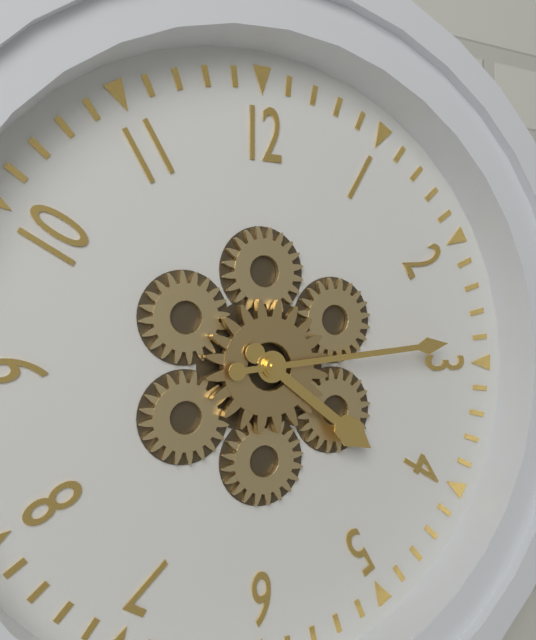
4:14
